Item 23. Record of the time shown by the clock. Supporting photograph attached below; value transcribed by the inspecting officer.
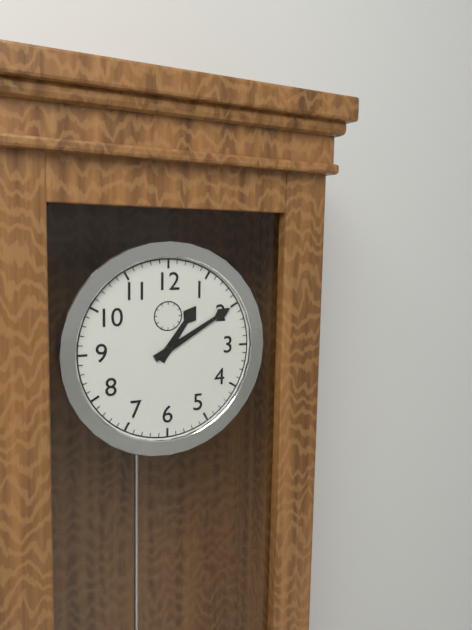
1:10
